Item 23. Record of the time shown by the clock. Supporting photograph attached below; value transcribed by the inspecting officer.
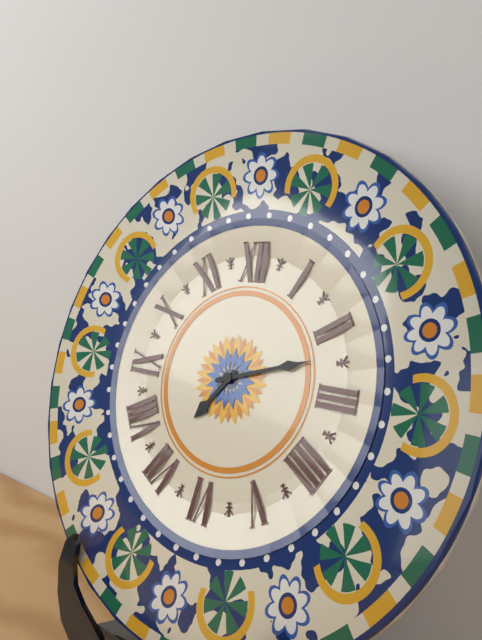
7:12
